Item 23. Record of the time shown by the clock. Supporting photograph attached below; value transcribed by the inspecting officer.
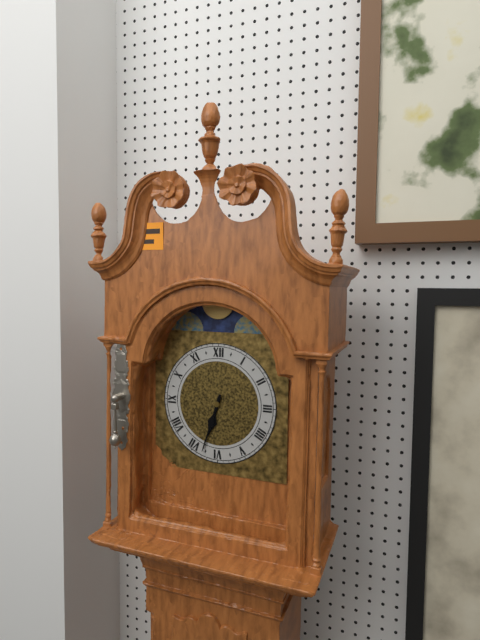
6:33
